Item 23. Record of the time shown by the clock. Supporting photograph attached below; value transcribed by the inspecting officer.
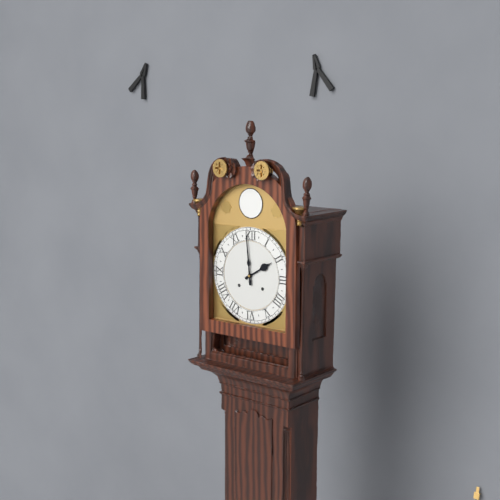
1:59
